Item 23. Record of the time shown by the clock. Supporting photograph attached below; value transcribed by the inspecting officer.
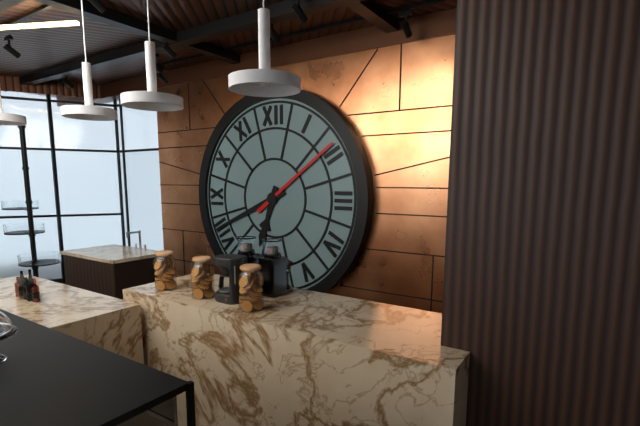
6:41:09
